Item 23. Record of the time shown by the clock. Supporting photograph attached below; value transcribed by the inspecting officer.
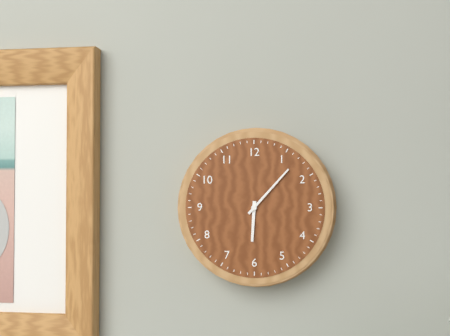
6:07
